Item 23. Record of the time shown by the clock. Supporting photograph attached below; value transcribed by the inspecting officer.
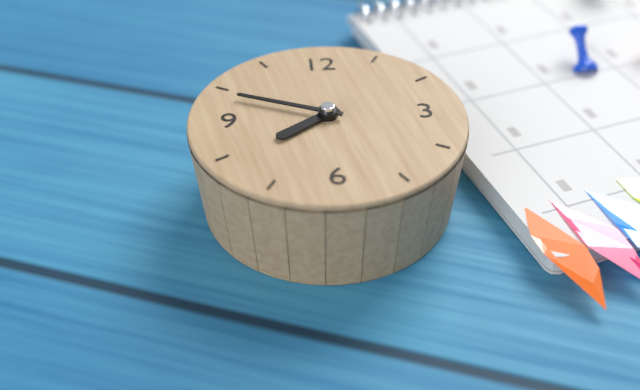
7:49
